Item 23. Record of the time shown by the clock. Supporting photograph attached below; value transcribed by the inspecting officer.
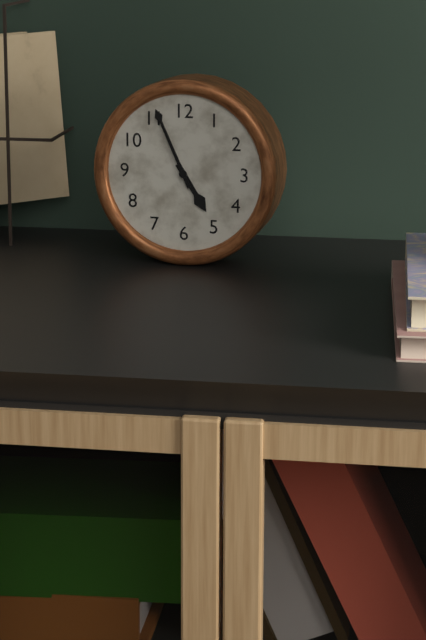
4:56
